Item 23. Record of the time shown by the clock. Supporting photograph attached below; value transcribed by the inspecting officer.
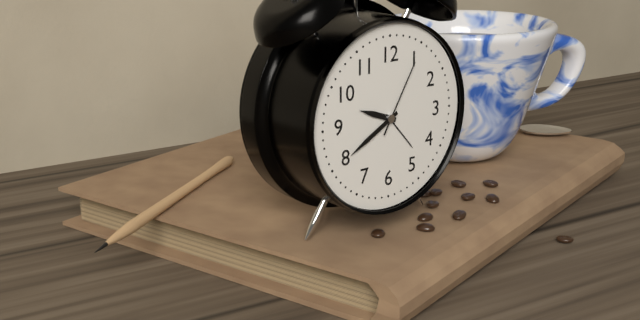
9:40:05
